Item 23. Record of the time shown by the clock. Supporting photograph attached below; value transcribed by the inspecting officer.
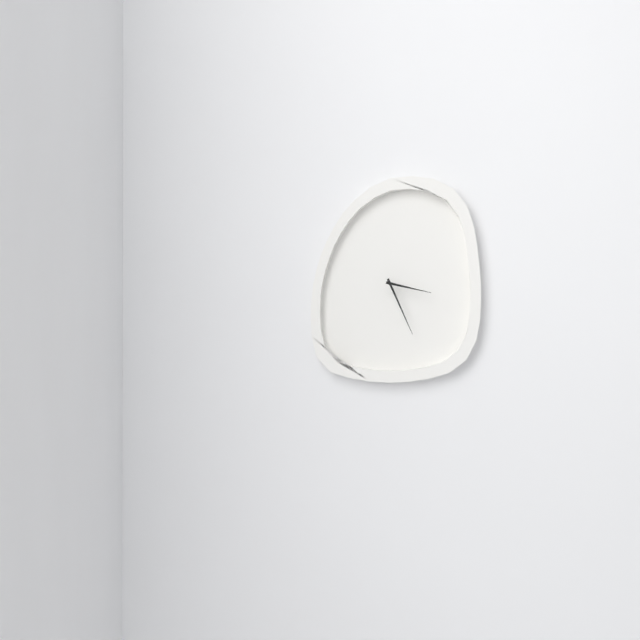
3:26
